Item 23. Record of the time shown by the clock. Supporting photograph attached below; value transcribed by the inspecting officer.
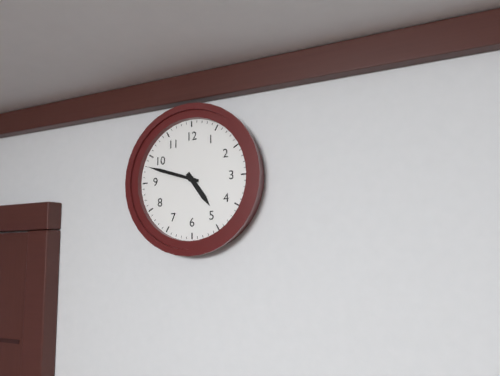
4:48
